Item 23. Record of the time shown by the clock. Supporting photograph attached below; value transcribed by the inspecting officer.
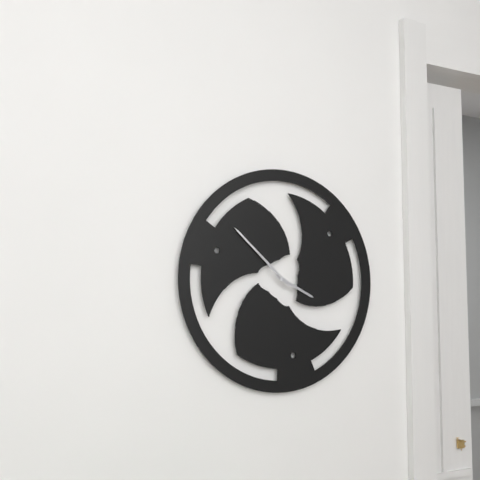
3:52
